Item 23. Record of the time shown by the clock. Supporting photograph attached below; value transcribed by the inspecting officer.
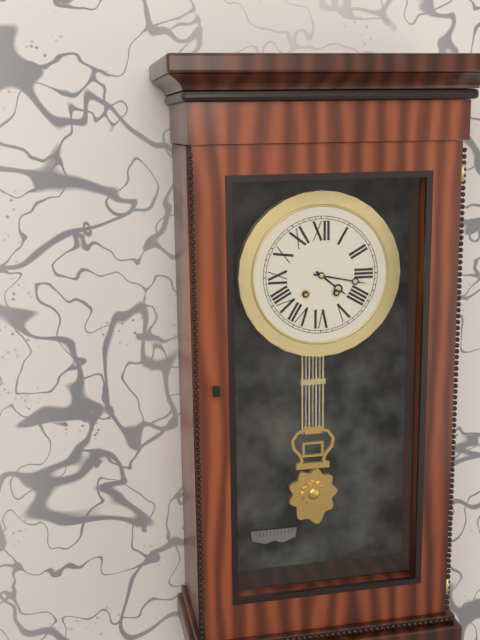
4:17
